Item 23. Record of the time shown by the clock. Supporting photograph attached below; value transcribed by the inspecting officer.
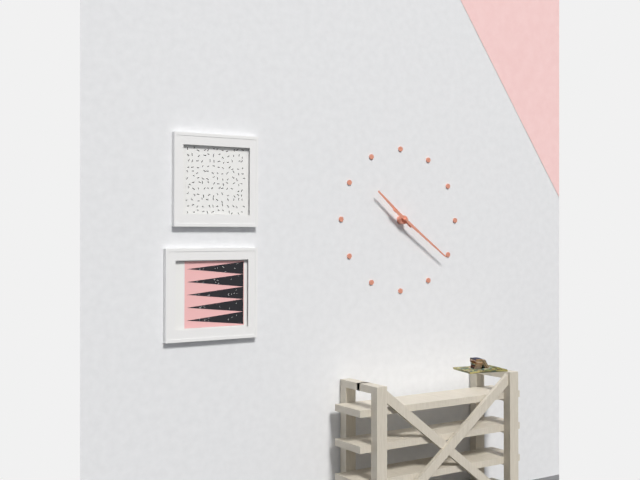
10:21
